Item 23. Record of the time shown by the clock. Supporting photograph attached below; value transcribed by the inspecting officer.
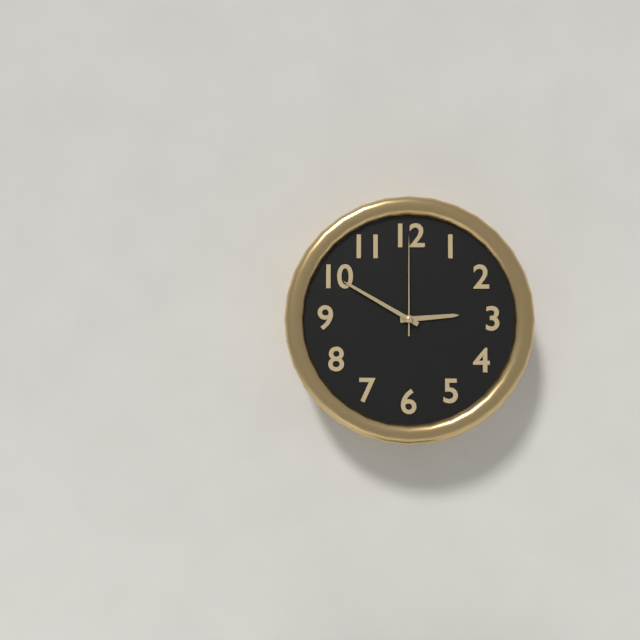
2:50:00
